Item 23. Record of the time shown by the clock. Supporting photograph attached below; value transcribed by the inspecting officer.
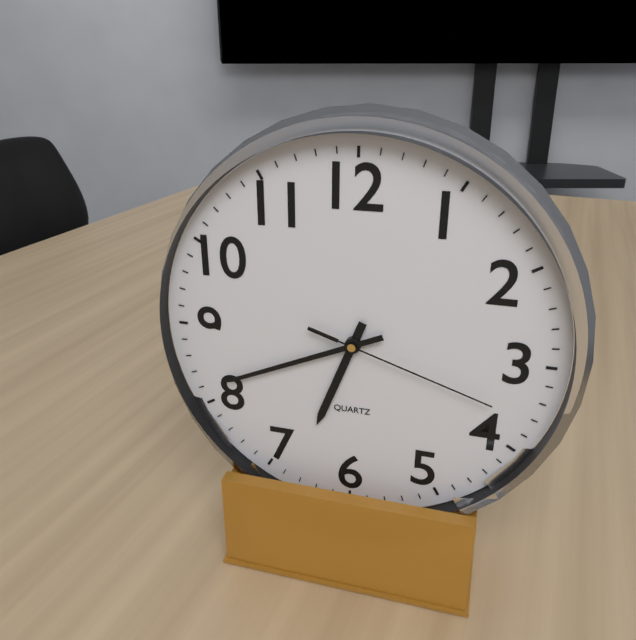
6:41:18
